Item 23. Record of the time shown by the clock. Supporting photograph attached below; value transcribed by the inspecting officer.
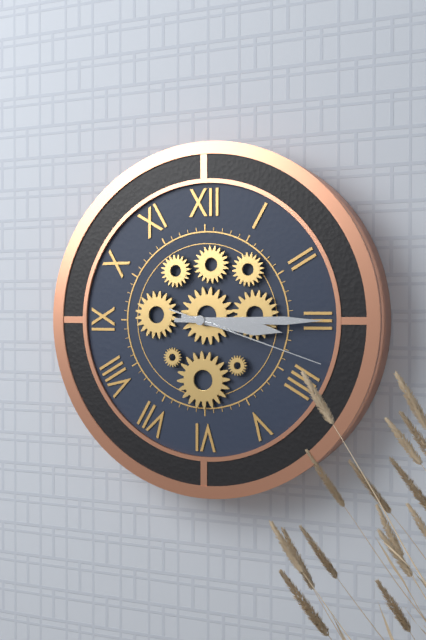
3:15:18
